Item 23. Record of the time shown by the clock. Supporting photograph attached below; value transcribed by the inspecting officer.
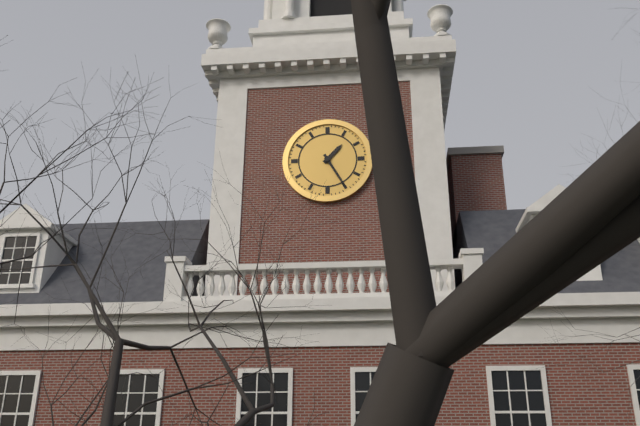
1:25
